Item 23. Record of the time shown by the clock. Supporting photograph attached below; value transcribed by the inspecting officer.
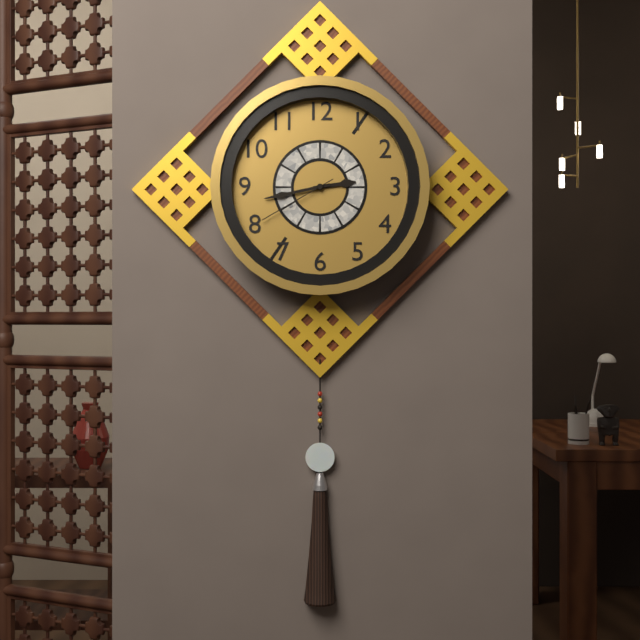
2:43:40
